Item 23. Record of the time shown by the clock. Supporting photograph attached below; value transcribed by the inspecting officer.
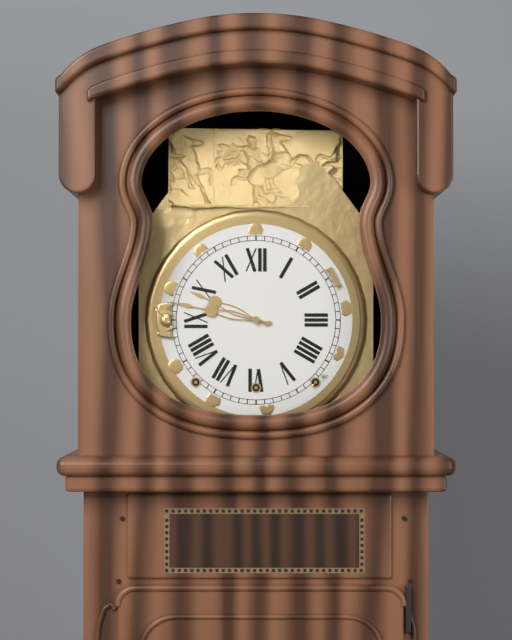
9:47
